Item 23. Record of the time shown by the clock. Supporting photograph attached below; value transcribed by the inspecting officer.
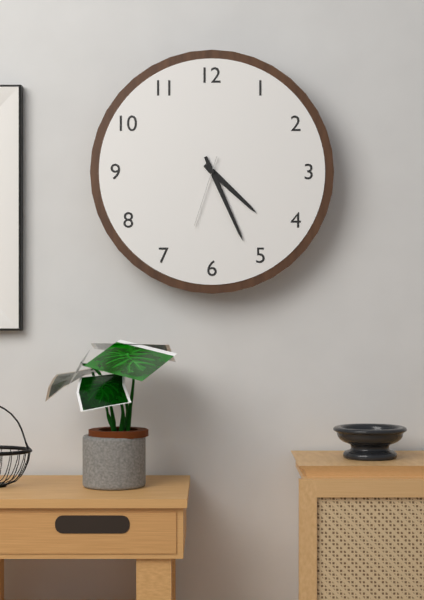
4:26:33
